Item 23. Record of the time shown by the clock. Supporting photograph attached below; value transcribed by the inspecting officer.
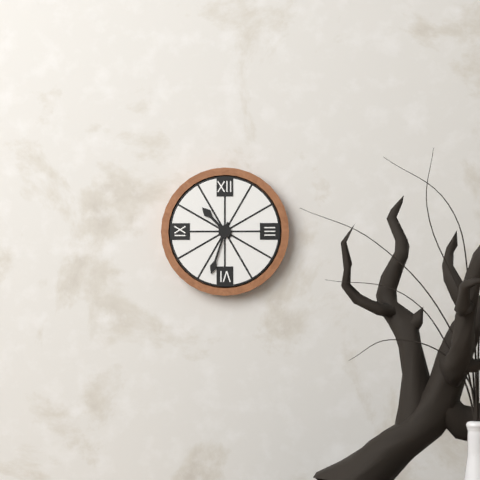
10:33
